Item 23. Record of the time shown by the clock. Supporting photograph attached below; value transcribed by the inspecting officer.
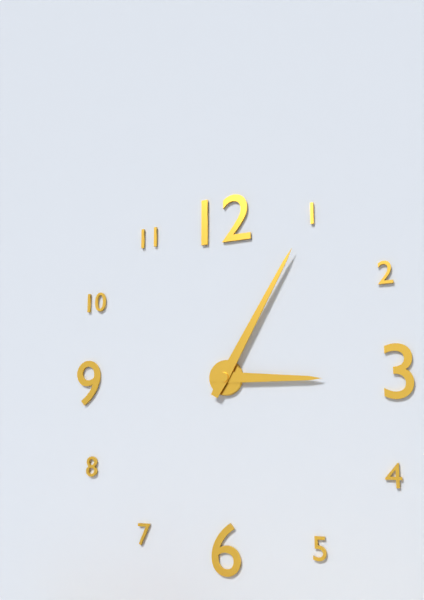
3:05
